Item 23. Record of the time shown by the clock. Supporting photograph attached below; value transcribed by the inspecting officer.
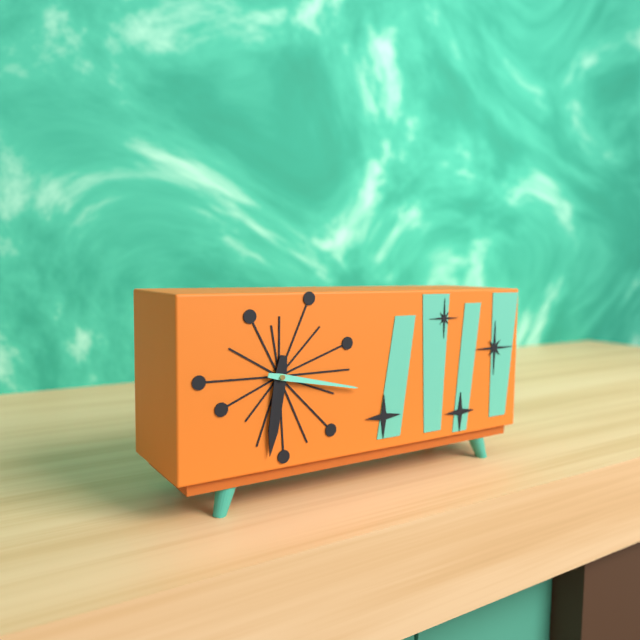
6:17
